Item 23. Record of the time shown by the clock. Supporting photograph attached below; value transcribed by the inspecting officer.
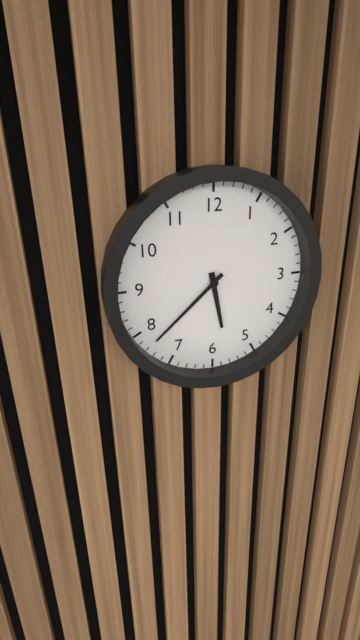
5:38
